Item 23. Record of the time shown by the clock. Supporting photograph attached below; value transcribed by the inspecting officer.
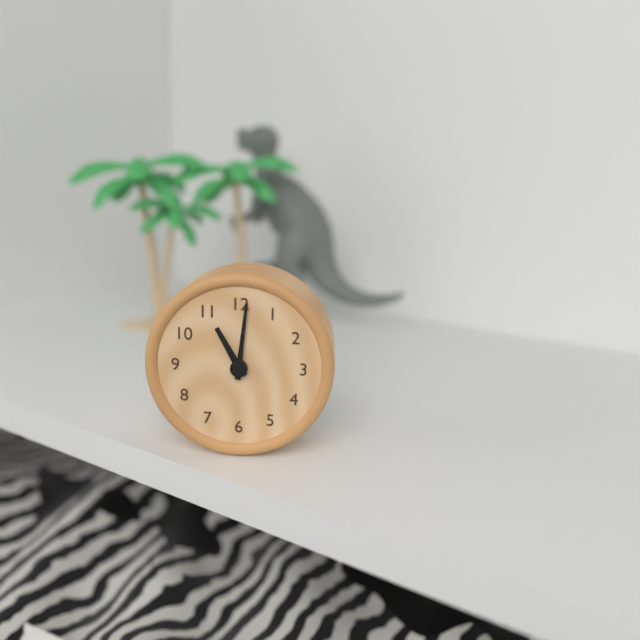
11:01
